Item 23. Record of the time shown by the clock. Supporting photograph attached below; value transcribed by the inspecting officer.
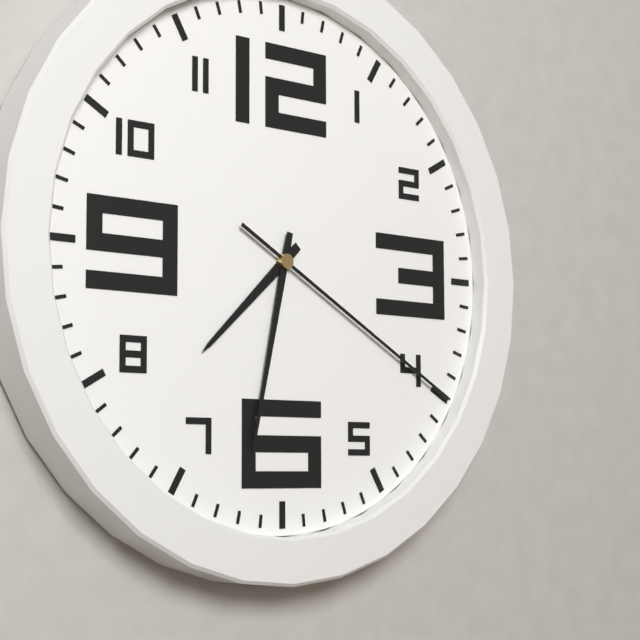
7:32:20
